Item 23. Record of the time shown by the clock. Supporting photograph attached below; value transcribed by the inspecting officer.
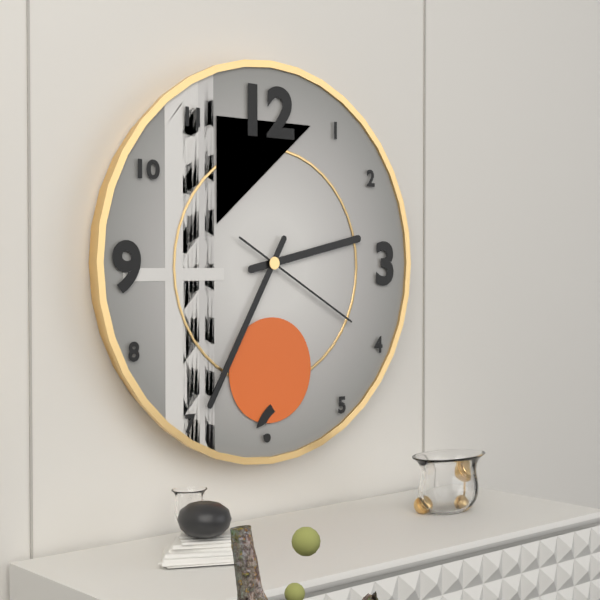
2:35:20
